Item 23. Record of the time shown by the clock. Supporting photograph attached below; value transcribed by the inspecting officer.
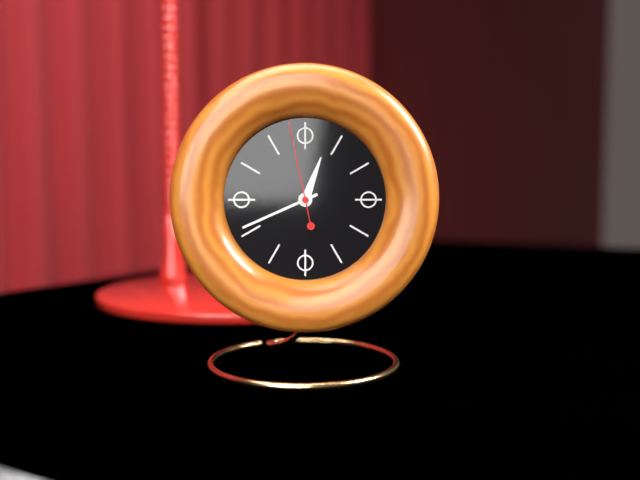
12:41:58
